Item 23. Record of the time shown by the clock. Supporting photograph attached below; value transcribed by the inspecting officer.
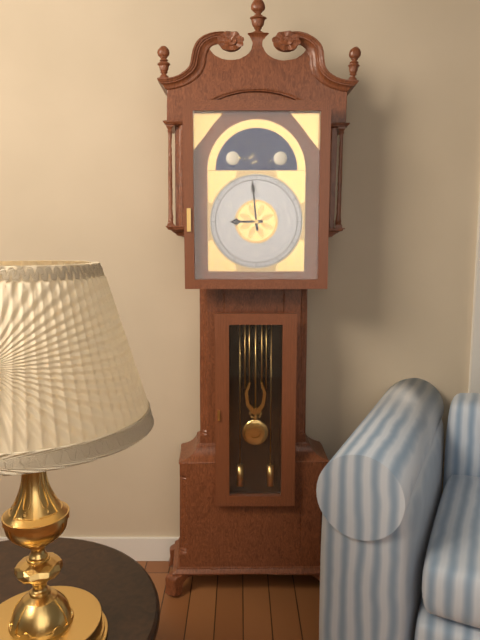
8:59
